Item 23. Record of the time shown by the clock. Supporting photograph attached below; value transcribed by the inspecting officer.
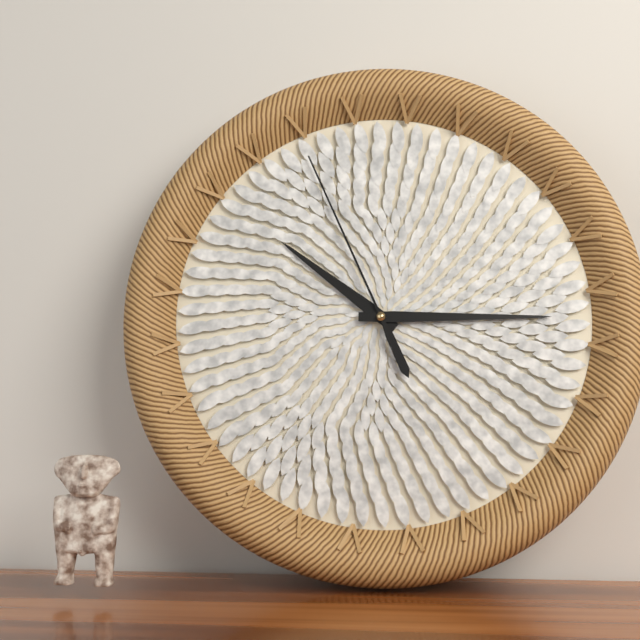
10:15:56
